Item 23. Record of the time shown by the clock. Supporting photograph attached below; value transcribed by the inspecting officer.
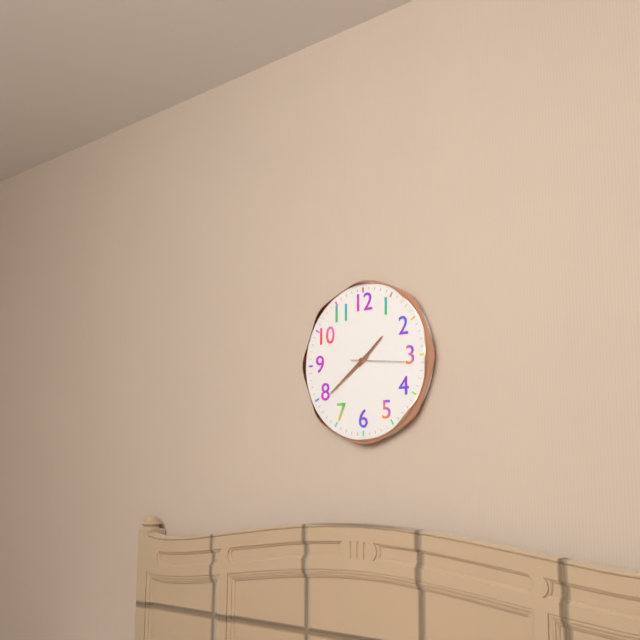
1:39:16
